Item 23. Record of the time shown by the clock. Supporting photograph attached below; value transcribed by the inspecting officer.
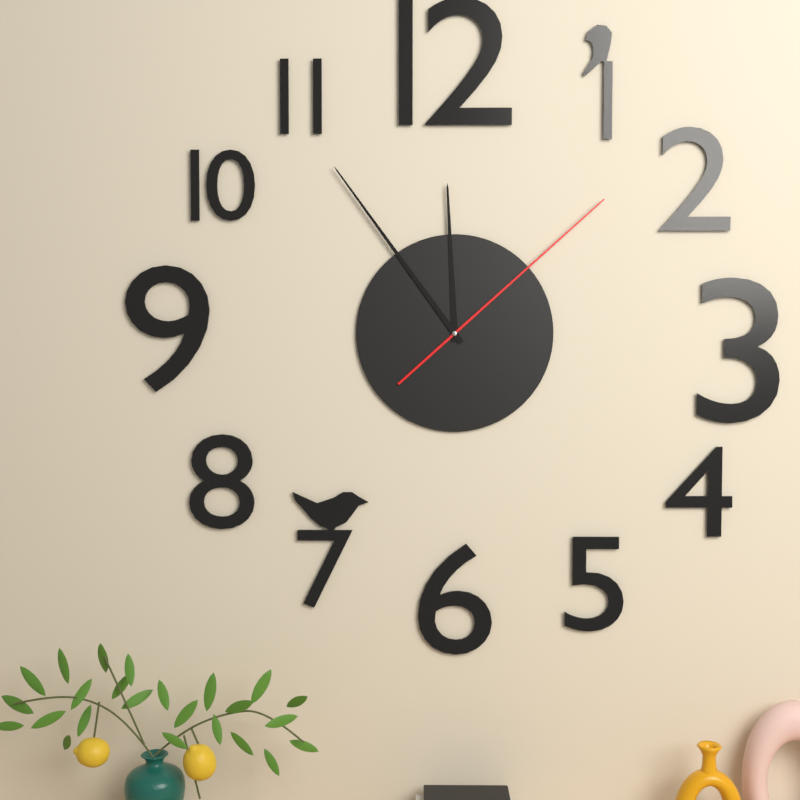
11:54:08
